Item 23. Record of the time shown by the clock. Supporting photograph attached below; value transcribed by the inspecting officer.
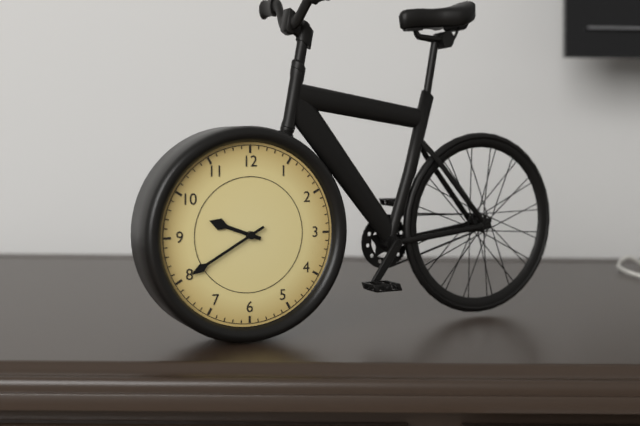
9:40
